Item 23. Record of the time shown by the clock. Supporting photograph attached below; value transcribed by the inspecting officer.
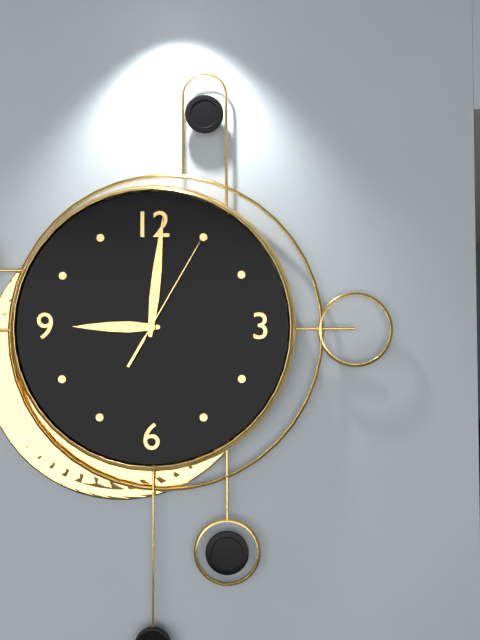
9:01:05
